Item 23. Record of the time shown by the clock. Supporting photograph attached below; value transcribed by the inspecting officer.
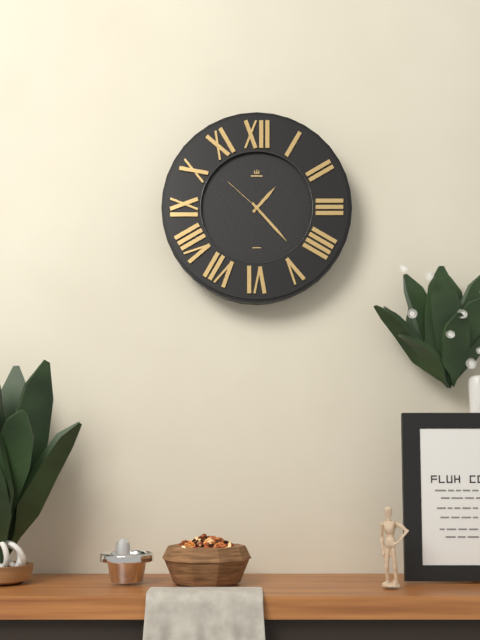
1:23:52
